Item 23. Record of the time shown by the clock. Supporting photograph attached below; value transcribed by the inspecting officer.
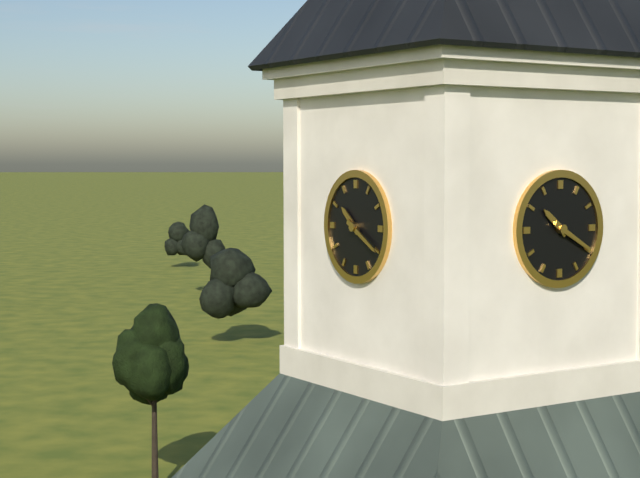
10:20
